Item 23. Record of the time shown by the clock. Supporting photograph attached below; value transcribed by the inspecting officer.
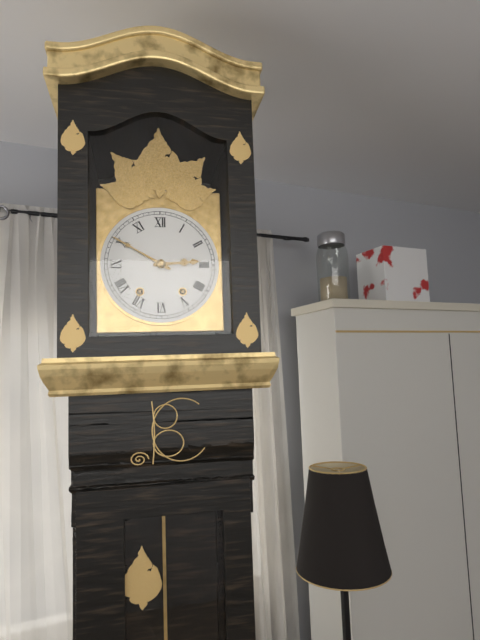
2:50
